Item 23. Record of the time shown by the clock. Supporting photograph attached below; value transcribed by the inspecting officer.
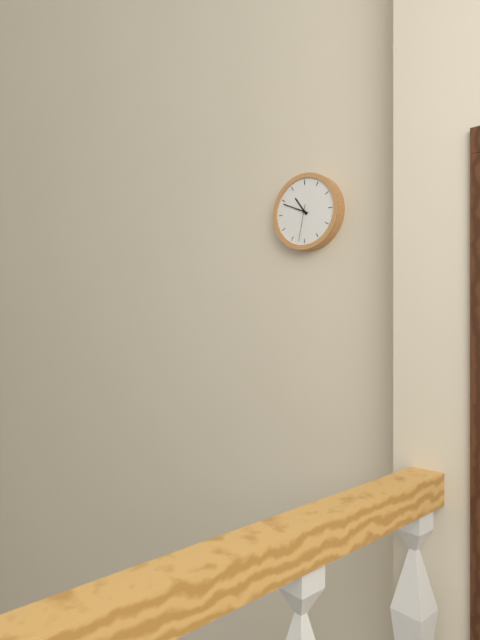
10:49
